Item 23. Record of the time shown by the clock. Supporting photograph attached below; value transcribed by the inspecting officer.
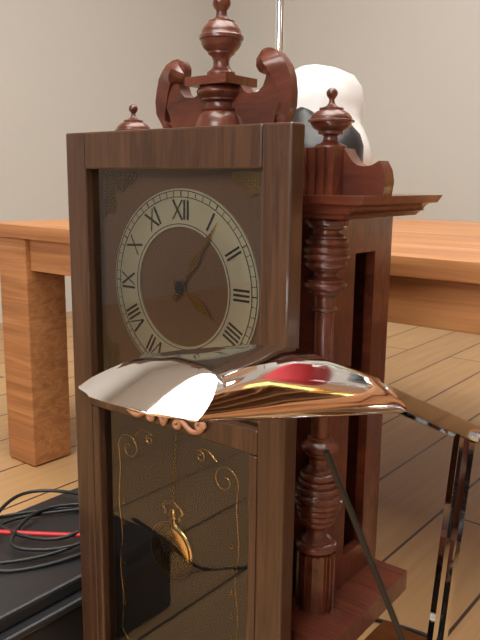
4:06
